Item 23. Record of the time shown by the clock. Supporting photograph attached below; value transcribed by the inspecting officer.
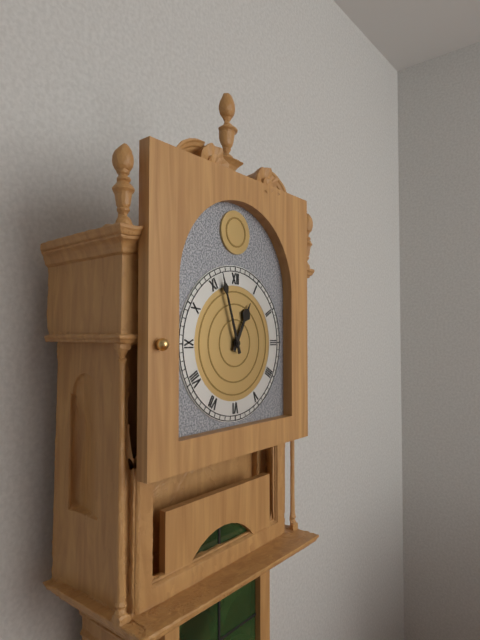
12:57
